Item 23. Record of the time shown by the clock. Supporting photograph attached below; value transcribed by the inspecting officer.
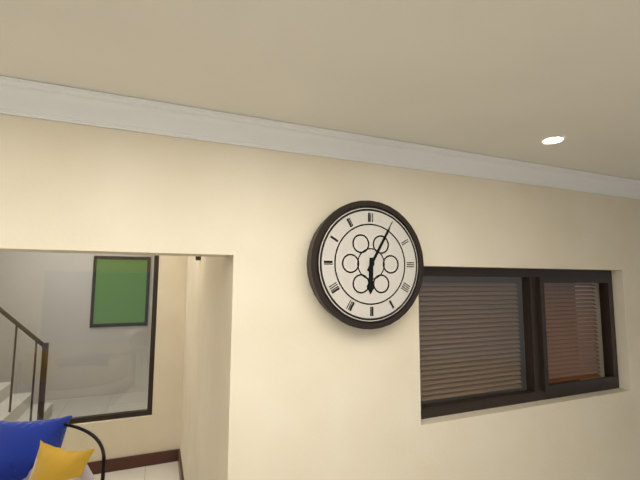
6:05
